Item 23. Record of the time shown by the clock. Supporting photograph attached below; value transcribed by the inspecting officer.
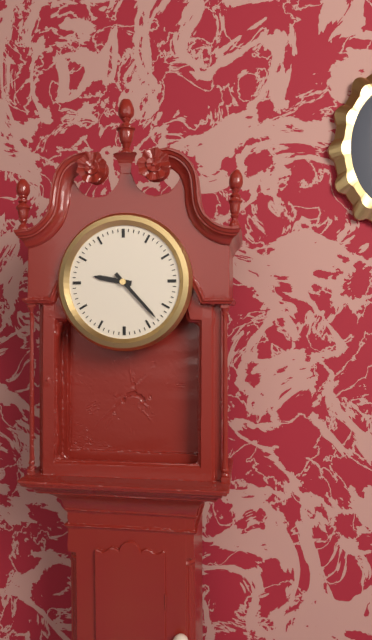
9:23
